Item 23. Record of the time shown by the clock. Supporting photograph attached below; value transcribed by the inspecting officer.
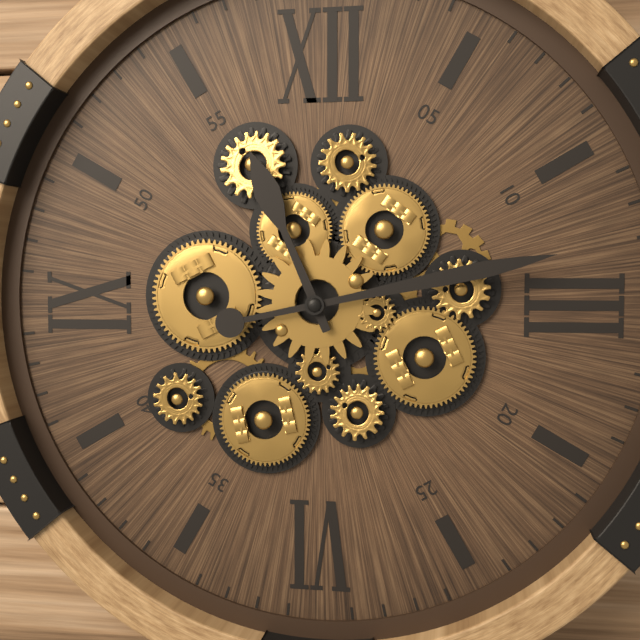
11:13
